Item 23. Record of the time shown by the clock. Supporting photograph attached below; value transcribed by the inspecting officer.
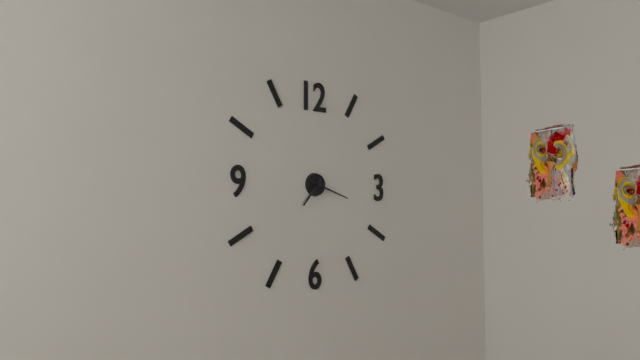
7:18
